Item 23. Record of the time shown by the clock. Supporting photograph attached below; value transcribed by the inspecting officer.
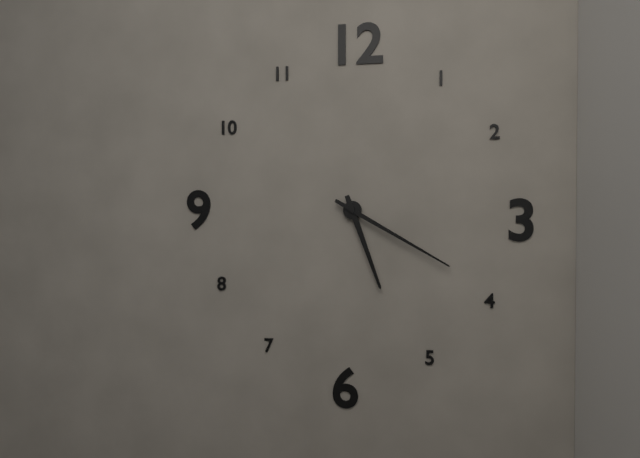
5:20
